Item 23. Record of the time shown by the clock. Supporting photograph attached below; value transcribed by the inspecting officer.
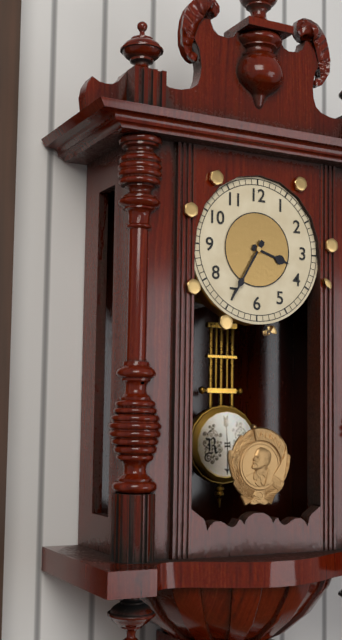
3:35
